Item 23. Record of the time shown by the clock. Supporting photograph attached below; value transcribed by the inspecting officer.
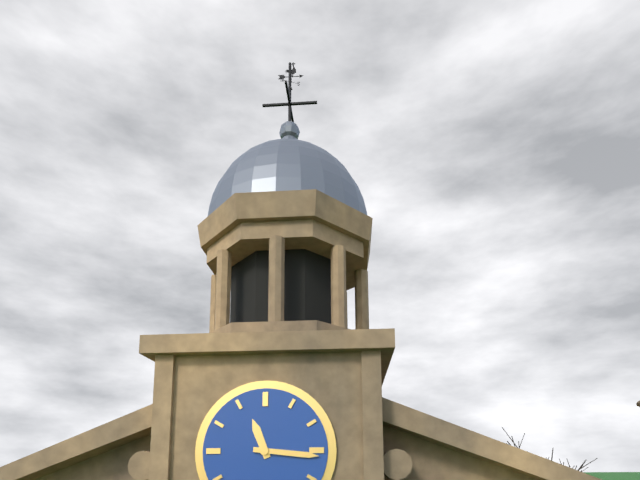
11:16
